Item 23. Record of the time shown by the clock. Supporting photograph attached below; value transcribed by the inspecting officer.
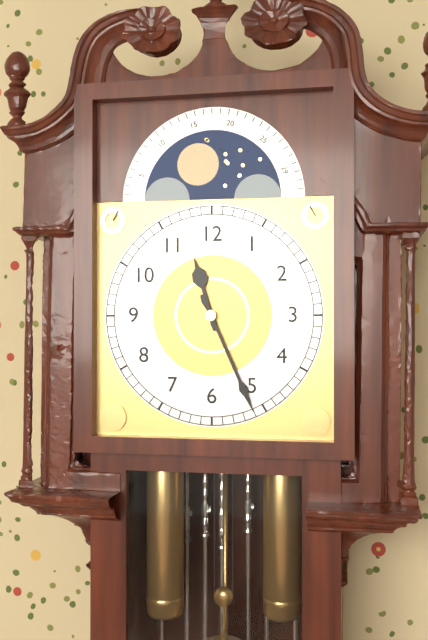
11:26
